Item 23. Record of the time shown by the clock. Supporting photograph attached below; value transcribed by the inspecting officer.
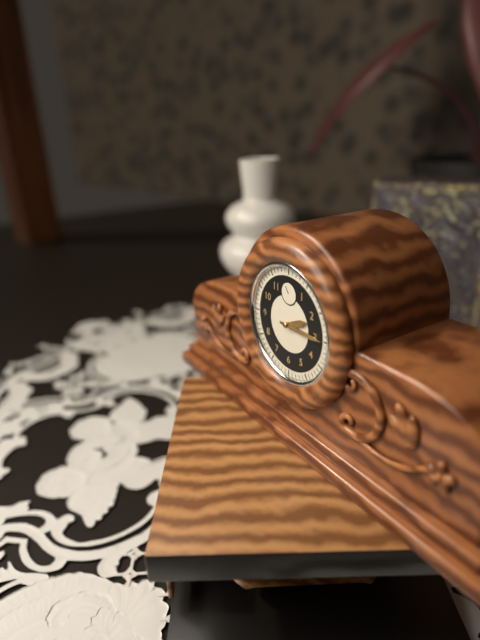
2:15
